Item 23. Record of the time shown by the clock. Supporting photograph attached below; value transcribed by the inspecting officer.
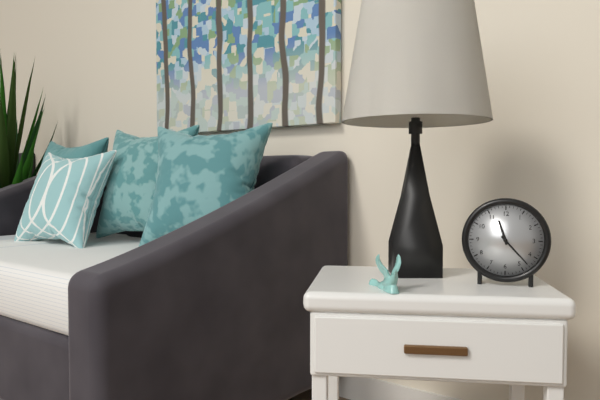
11:23
